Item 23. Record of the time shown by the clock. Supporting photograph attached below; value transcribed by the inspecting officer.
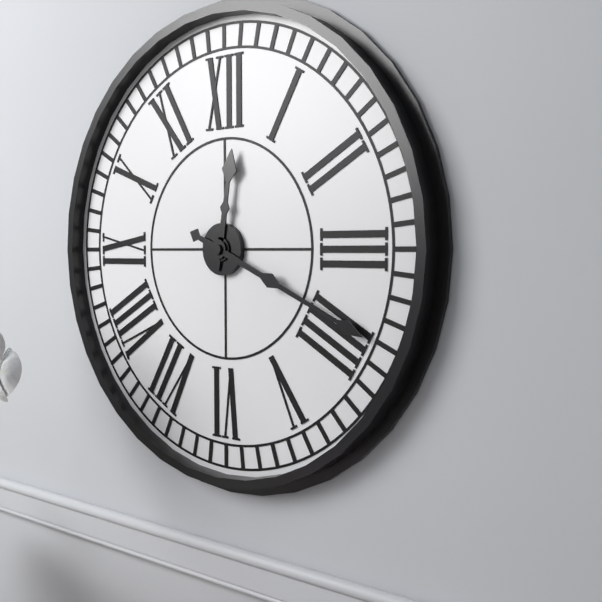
12:19
